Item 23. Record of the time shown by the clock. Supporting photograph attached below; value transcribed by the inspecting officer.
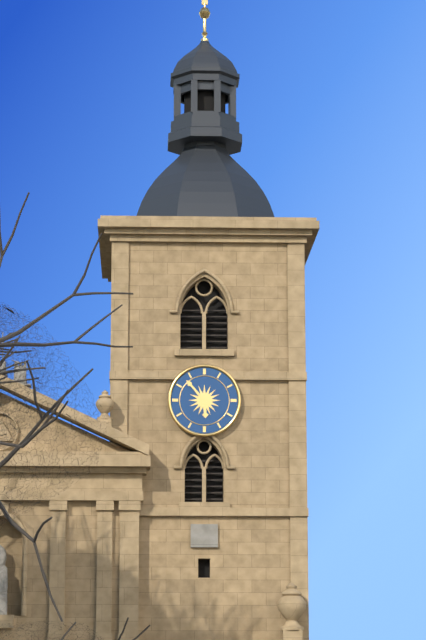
5:53
